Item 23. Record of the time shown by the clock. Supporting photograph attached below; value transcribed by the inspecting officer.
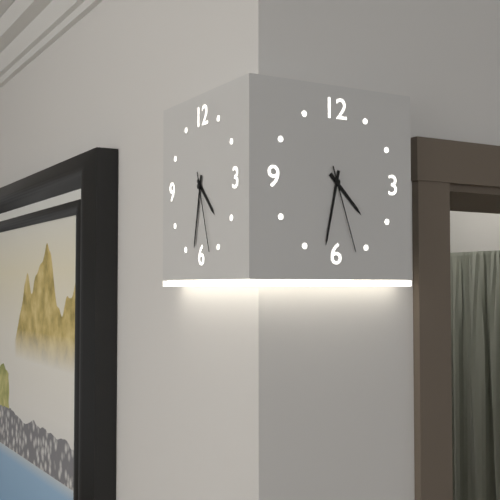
4:32:27
